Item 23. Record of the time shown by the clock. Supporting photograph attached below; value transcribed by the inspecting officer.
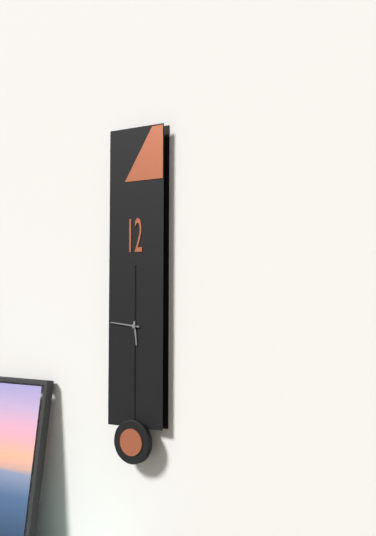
5:46
